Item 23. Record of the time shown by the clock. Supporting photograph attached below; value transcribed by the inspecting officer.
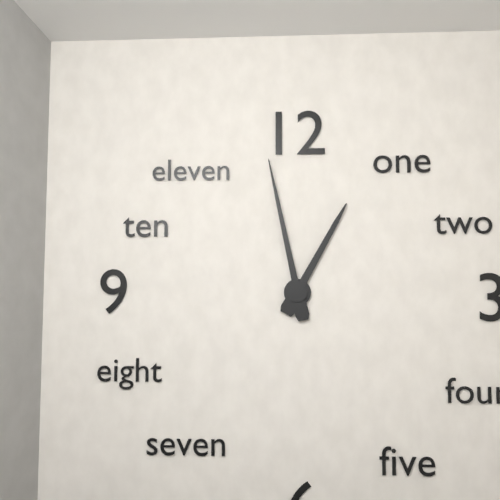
12:58
